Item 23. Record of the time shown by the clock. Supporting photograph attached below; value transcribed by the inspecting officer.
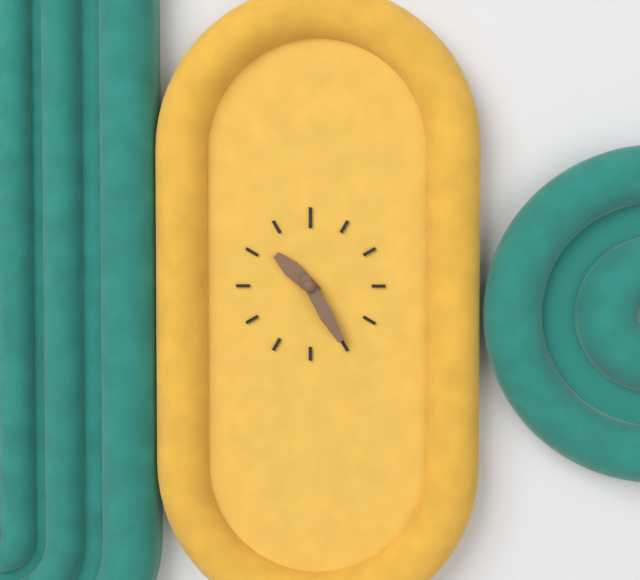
10:25
